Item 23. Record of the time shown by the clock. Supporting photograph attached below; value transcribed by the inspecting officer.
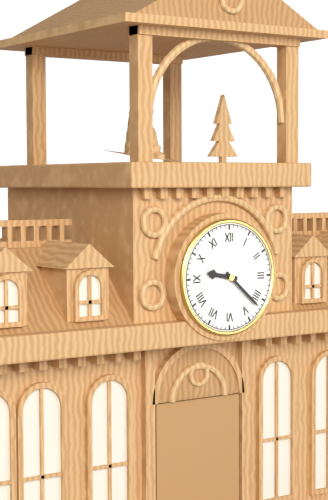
9:22
